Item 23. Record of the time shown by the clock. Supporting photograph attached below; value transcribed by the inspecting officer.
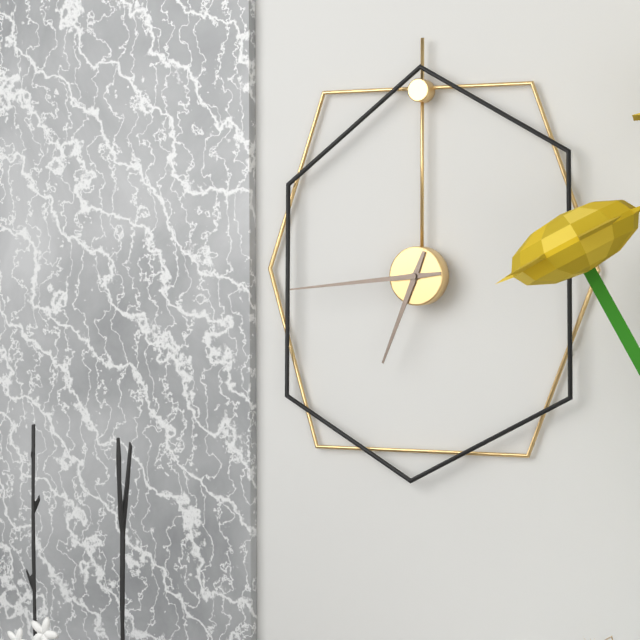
6:44
